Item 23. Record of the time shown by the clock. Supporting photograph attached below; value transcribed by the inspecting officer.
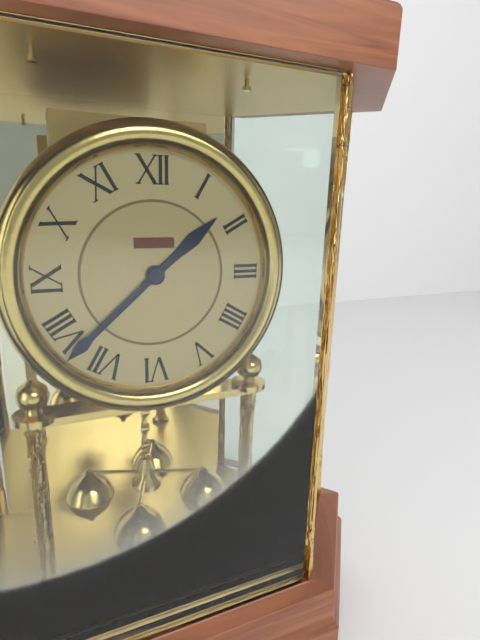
1:38
